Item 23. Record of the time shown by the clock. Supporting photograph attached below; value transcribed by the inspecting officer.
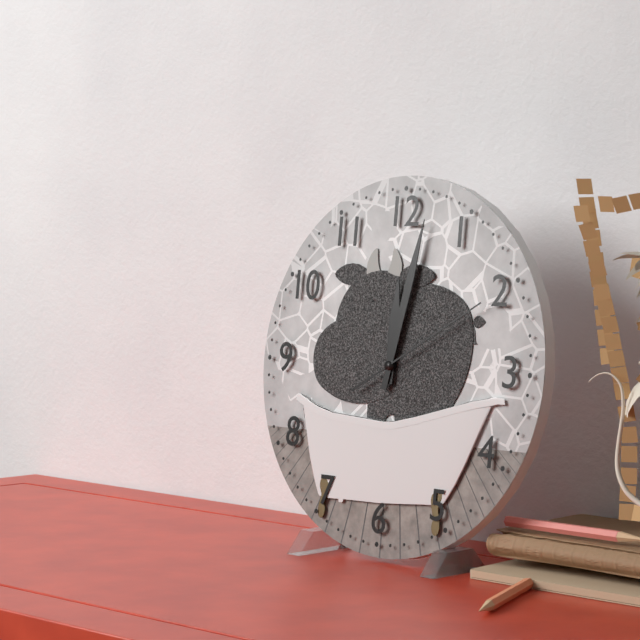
12:02:10
